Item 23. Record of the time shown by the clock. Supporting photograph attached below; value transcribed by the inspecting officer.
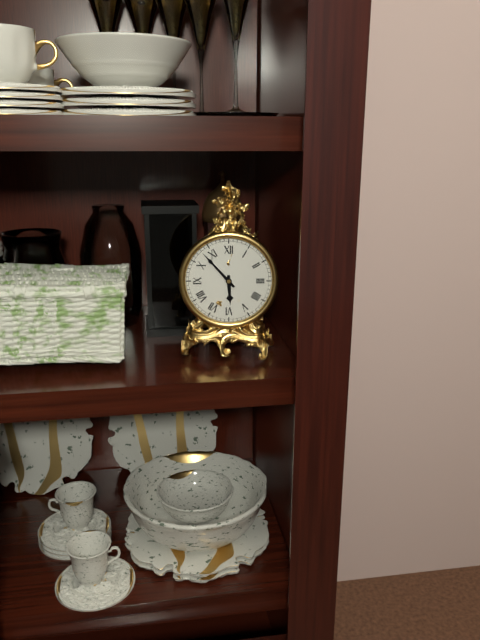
5:53
